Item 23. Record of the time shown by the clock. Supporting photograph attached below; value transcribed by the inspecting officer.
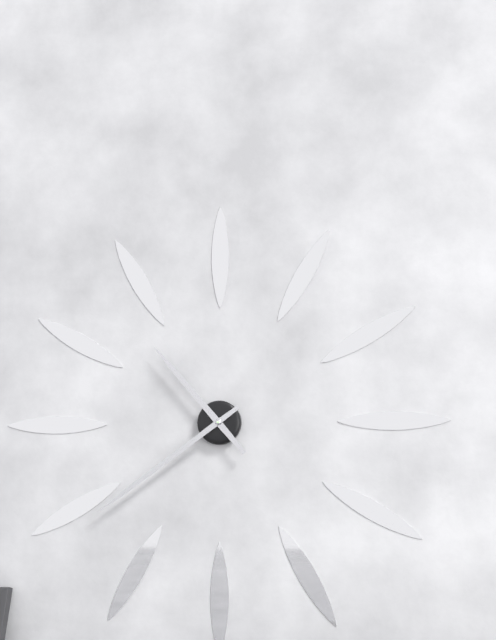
10:39
